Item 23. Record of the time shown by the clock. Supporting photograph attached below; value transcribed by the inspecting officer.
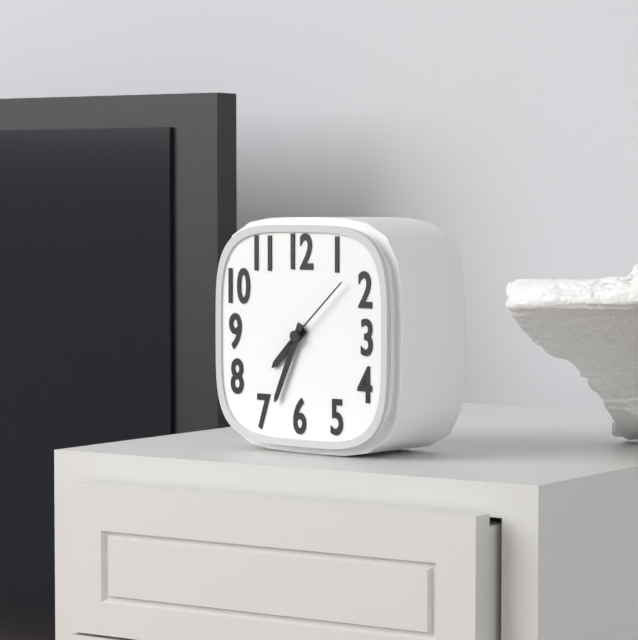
7:34:08
